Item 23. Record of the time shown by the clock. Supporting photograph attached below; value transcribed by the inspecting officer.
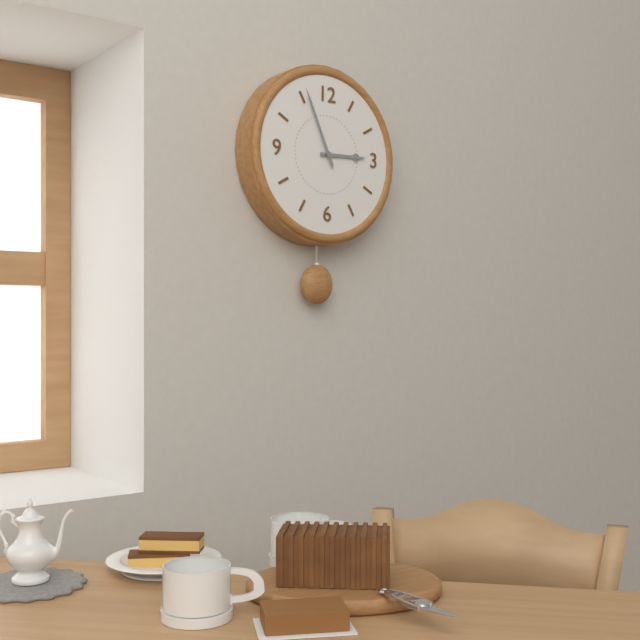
2:56
